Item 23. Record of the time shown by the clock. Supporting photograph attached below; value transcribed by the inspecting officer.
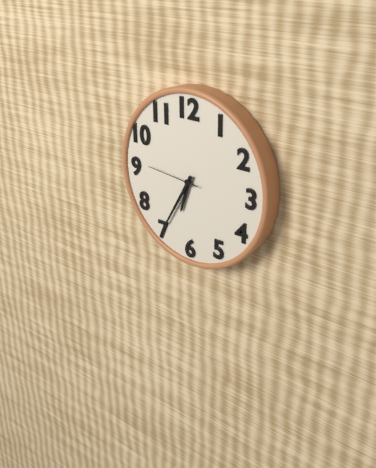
6:35:46
